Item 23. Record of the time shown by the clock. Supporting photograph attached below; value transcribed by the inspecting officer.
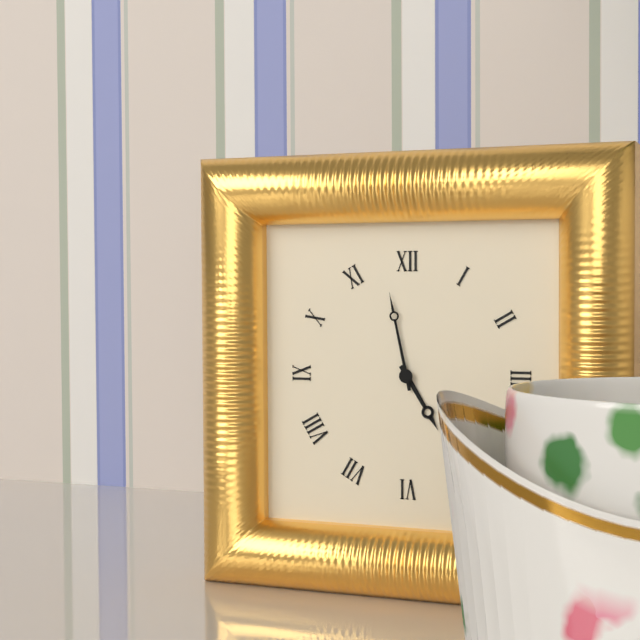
4:58
